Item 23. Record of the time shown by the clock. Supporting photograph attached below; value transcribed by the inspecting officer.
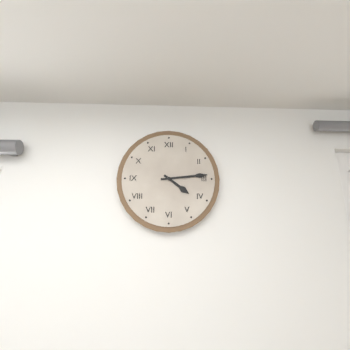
4:14
